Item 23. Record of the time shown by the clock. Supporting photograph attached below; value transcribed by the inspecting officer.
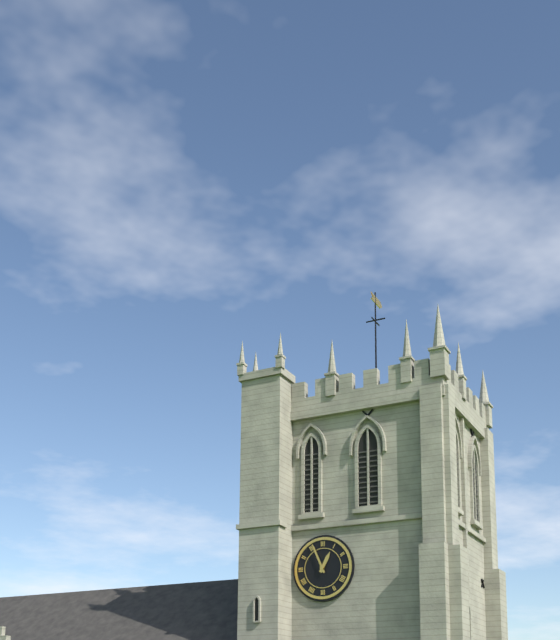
12:56
